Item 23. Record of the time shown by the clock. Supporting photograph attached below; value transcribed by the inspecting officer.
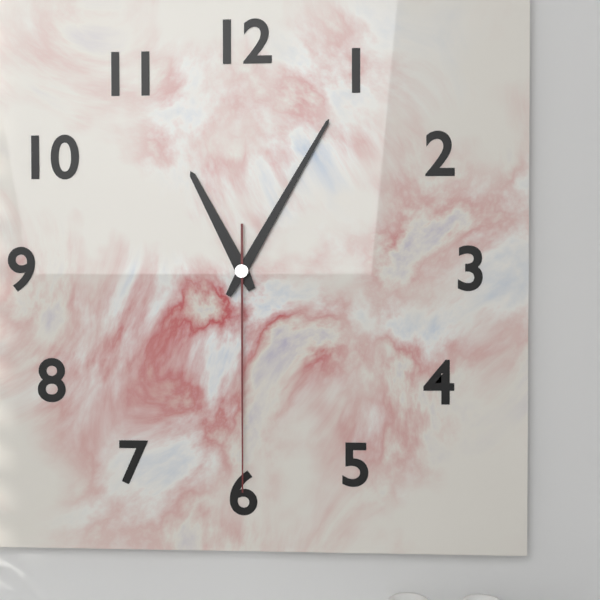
11:05:30
